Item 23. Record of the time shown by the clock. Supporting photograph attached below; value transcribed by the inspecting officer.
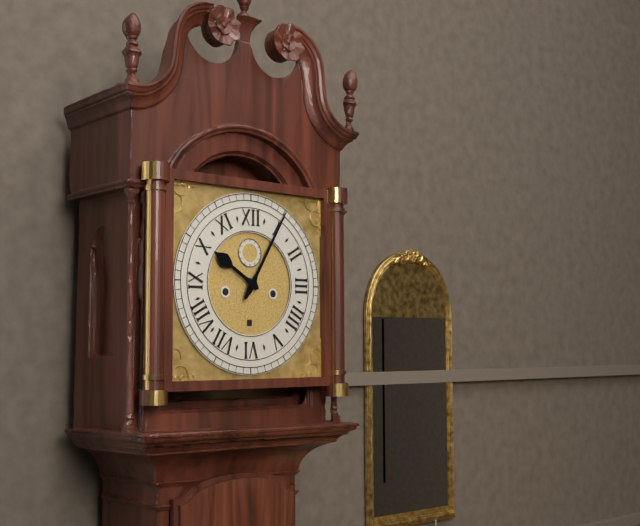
10:05
